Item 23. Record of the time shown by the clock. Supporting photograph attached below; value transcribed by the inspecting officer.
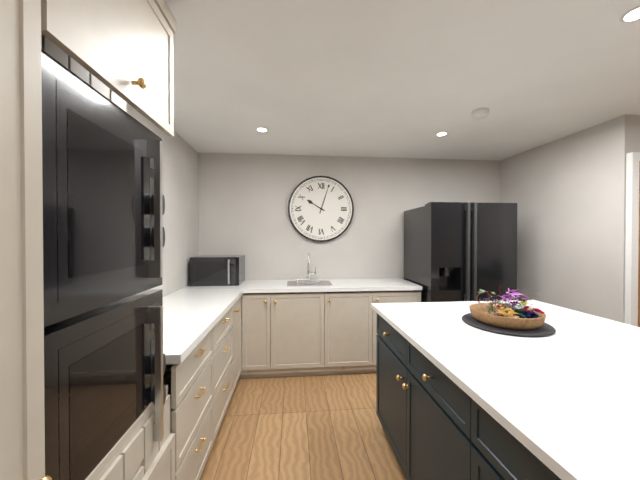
10:03
